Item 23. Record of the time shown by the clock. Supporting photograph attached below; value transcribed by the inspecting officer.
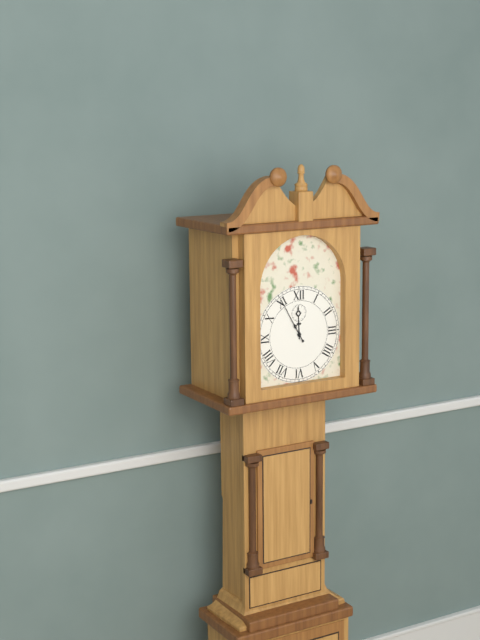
11:55
